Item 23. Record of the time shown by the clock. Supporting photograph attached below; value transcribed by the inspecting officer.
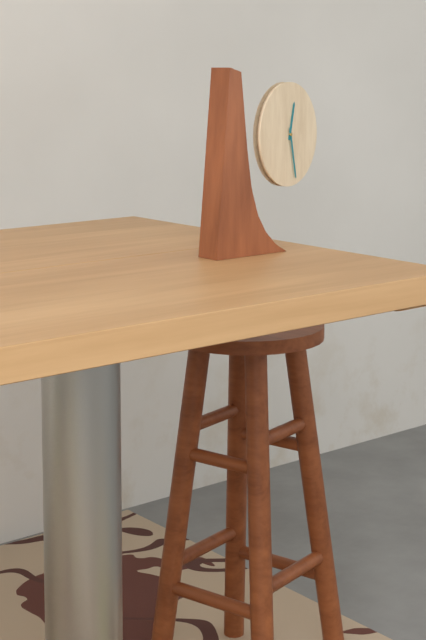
12:28
